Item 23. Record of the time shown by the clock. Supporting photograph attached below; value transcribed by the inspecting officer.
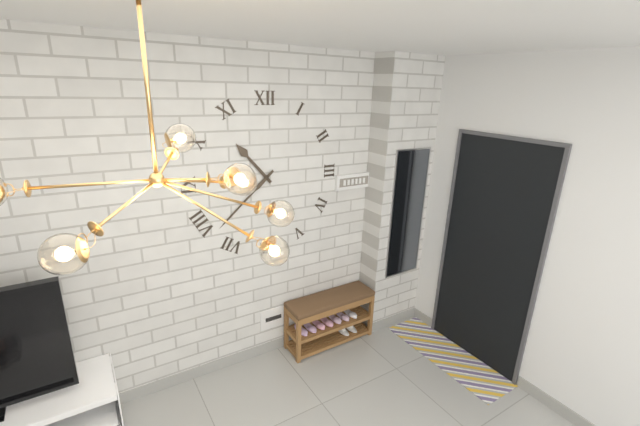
10:38
